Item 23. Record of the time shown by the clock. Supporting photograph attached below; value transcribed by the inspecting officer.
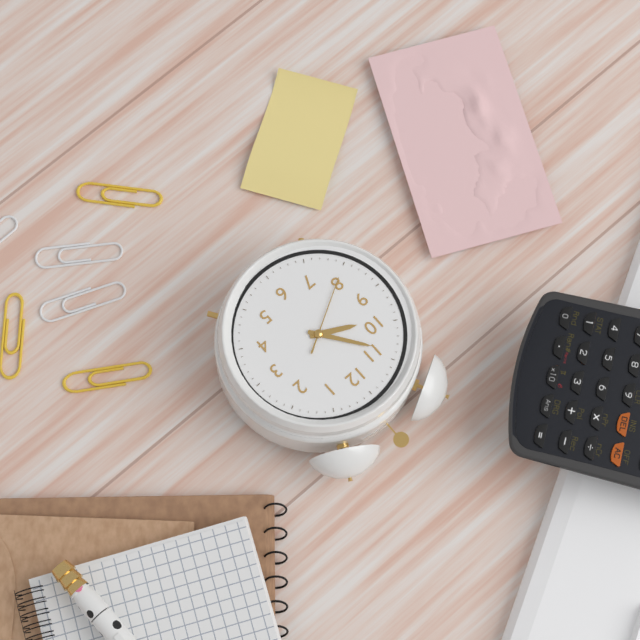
9:54:40
